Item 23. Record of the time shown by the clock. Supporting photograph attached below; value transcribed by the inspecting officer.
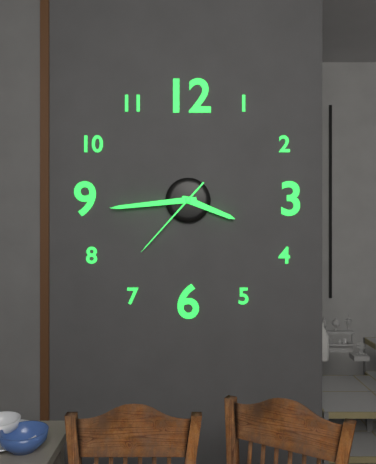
3:44:37
